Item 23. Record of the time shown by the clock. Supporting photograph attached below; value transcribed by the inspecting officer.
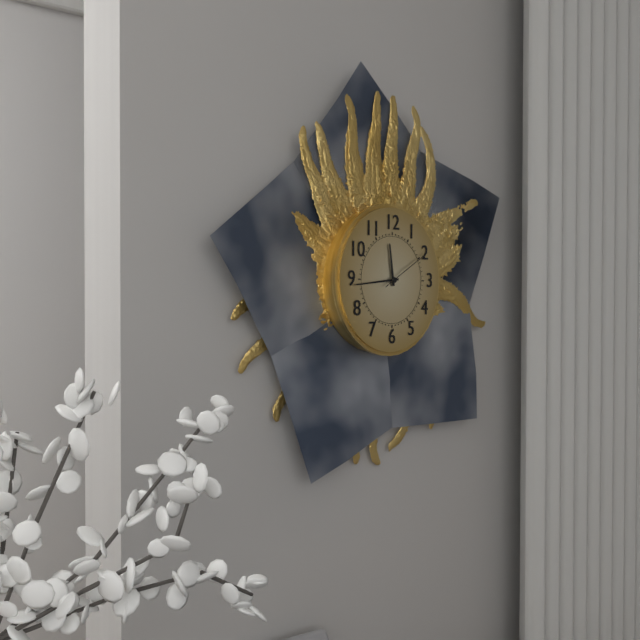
11:44:10
